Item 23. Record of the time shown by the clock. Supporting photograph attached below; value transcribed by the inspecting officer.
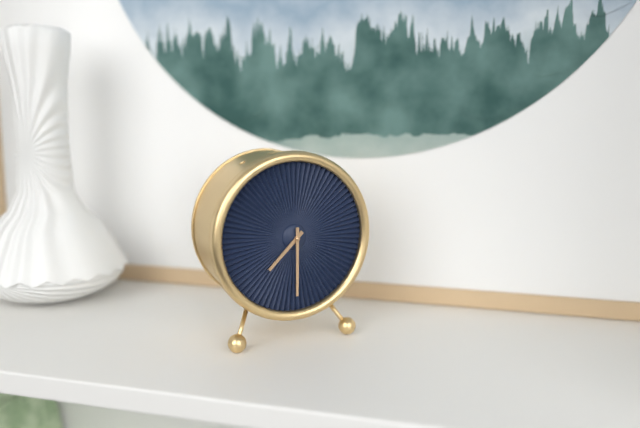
7:30
